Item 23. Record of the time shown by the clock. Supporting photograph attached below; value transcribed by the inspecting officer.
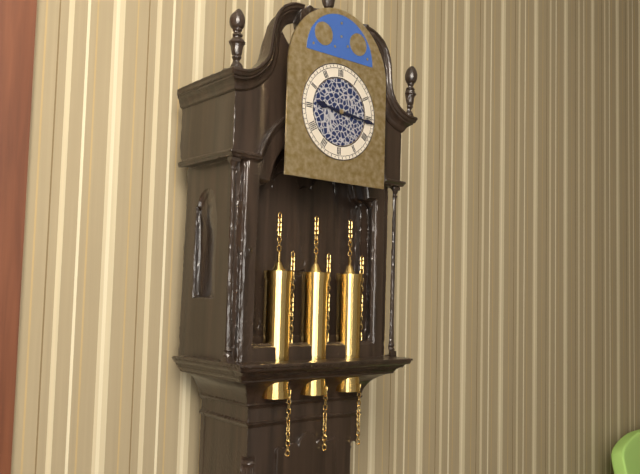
9:16
